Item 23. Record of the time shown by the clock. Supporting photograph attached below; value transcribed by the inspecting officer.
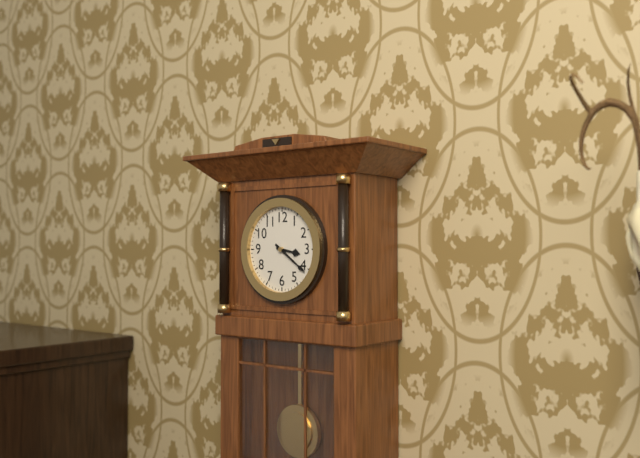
3:21
